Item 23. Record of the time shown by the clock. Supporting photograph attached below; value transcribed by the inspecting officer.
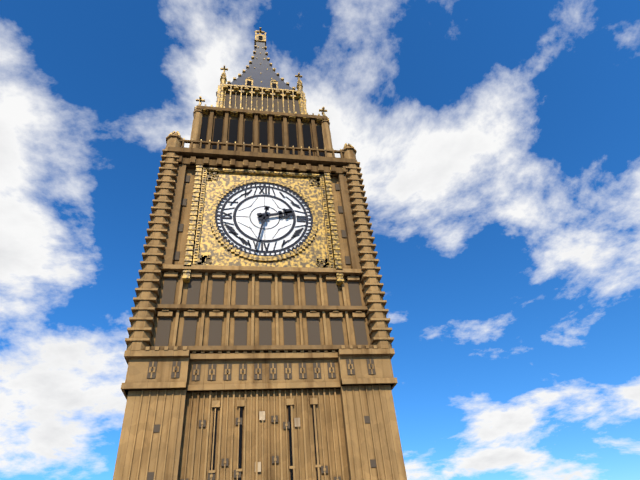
2:32
